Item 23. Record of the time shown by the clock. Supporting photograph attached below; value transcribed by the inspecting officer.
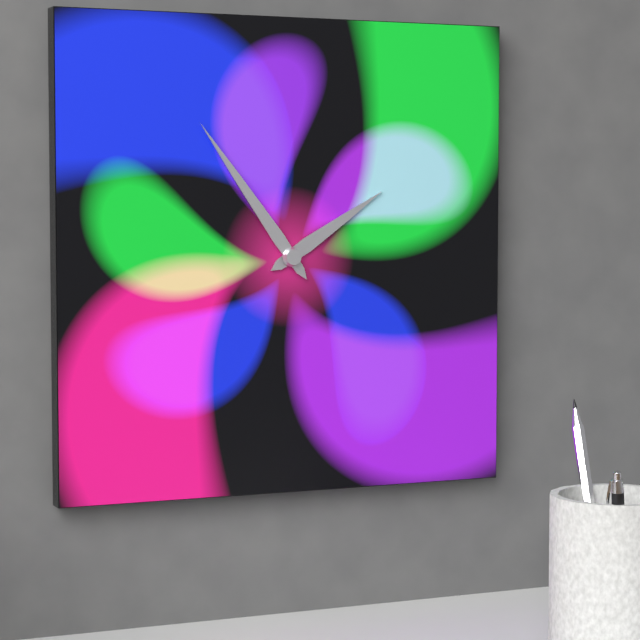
1:54
